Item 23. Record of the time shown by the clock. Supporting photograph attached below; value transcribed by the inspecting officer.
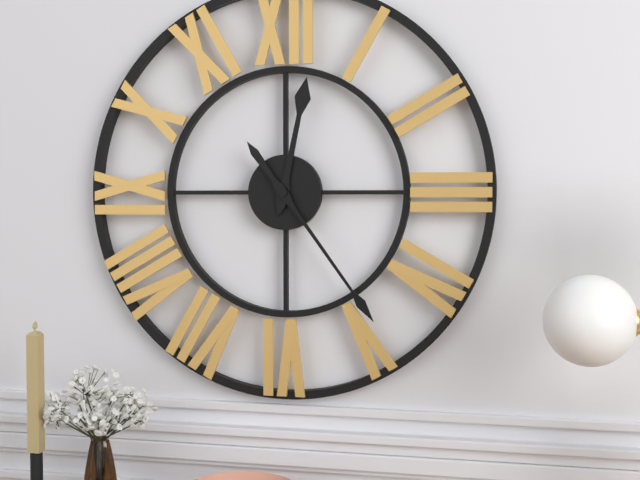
12:24
